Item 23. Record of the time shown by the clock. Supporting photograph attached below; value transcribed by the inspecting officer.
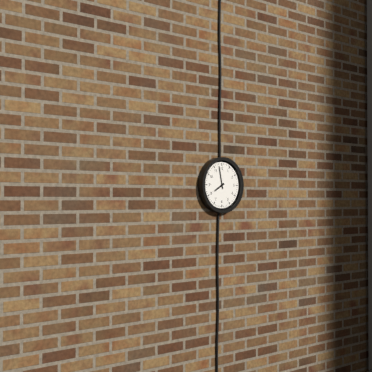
7:58
